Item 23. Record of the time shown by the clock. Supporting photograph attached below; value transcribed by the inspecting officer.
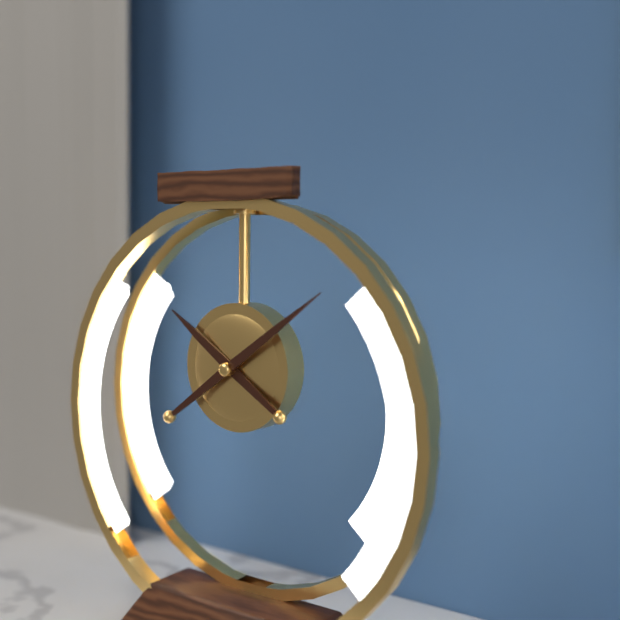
10:09
